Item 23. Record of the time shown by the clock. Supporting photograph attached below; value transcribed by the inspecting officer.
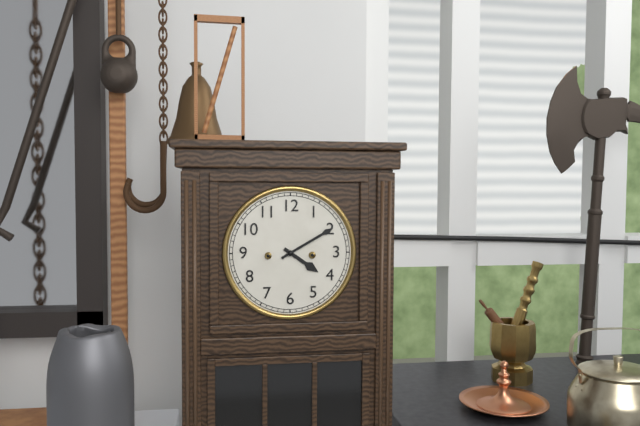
4:10
